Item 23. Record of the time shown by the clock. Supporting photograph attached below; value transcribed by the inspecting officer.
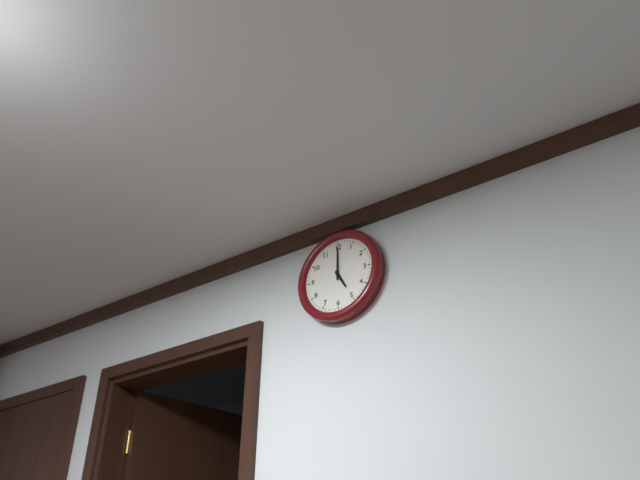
5:00
